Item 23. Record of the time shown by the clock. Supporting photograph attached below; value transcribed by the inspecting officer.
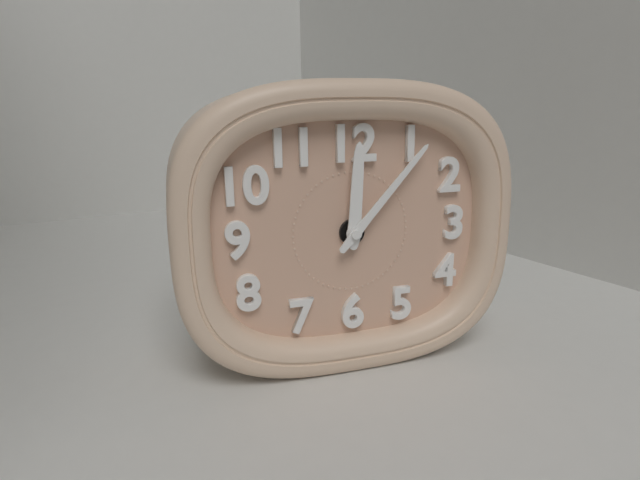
12:07
